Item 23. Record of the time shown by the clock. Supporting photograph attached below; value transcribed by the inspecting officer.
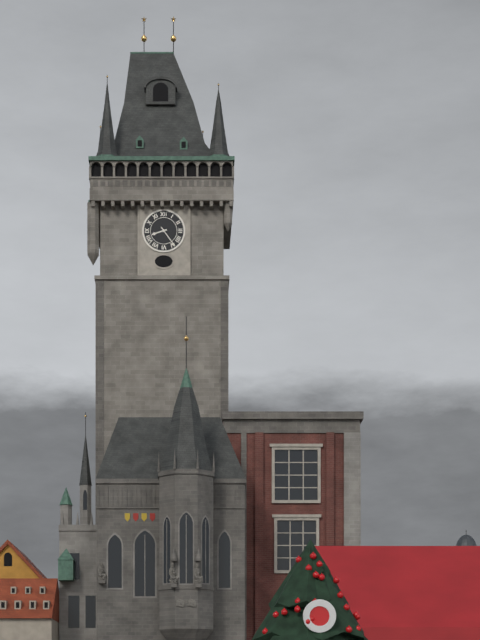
8:24
